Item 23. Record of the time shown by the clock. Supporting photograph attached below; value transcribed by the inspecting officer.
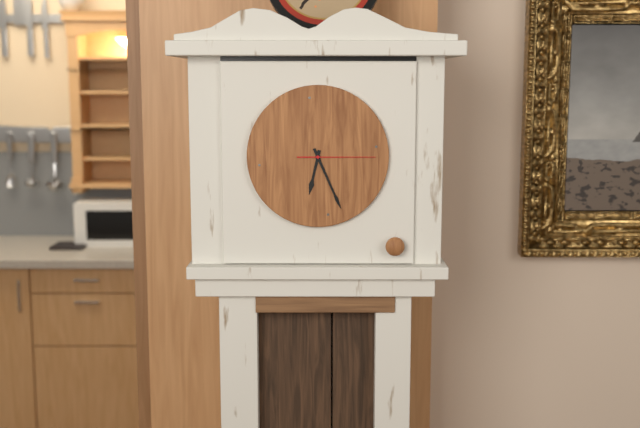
6:26:15
